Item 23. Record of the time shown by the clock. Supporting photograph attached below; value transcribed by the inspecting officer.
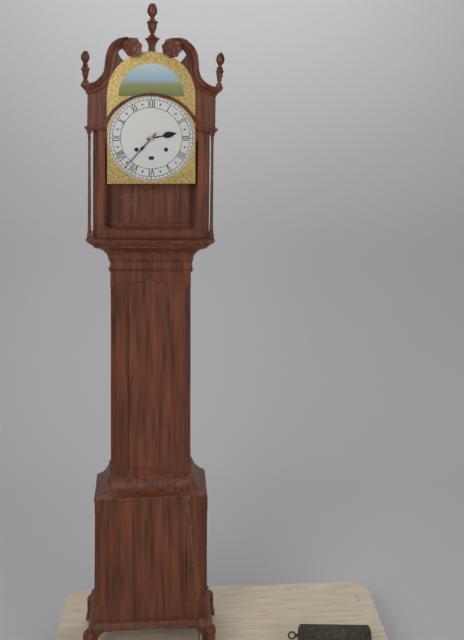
2:37
